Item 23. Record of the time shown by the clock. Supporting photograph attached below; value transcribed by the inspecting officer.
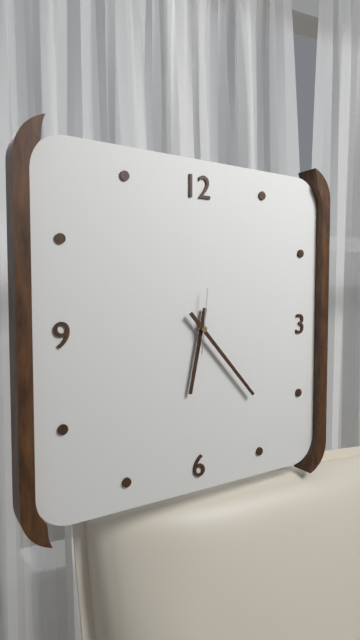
6:23:01
